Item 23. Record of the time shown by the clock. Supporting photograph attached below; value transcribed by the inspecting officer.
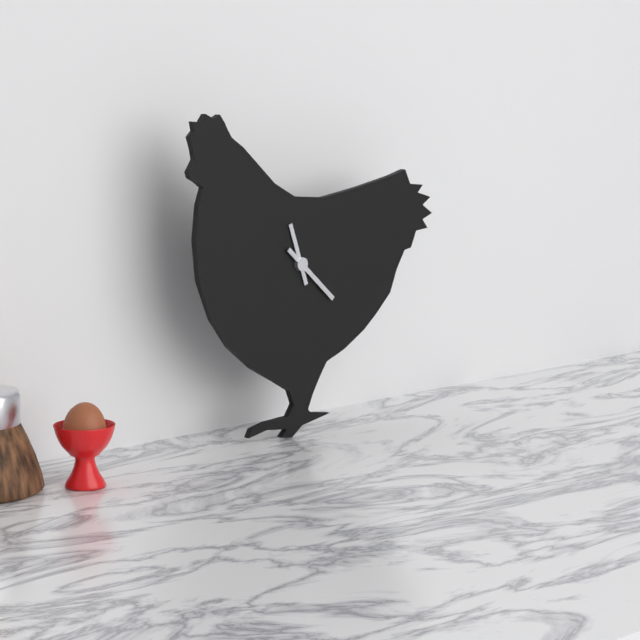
11:22
